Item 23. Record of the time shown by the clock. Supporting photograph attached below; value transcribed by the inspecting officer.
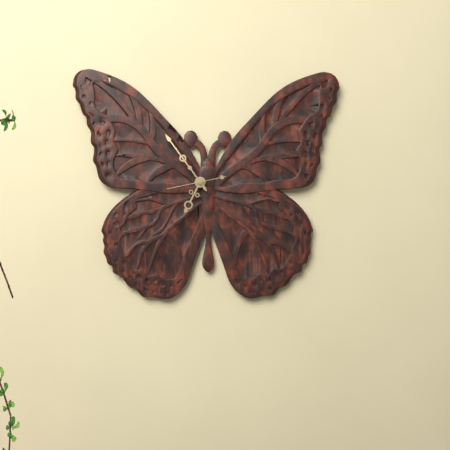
6:54
